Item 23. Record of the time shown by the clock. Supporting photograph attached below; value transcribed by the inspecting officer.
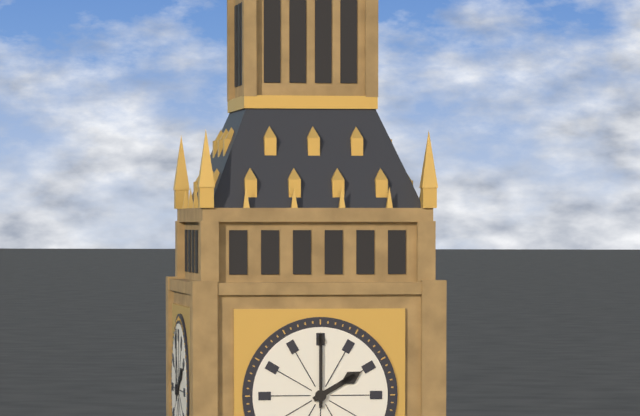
2:00
